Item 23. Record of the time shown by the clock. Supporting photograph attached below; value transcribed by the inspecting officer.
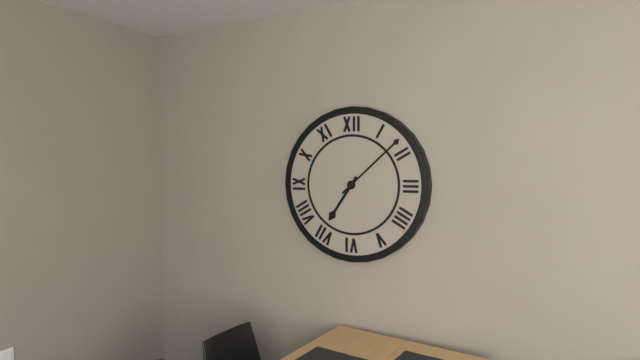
7:08
